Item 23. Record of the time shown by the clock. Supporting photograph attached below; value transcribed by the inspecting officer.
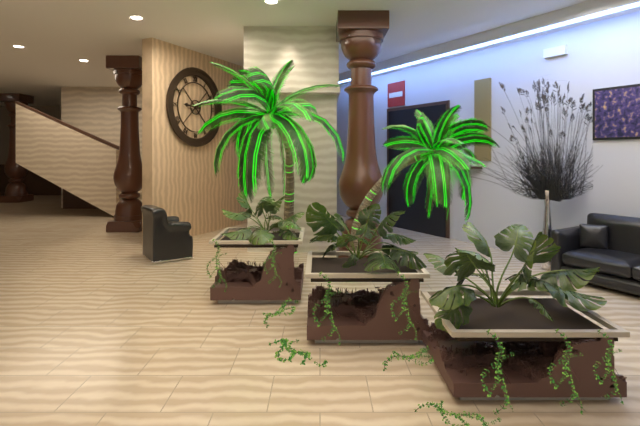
9:10
